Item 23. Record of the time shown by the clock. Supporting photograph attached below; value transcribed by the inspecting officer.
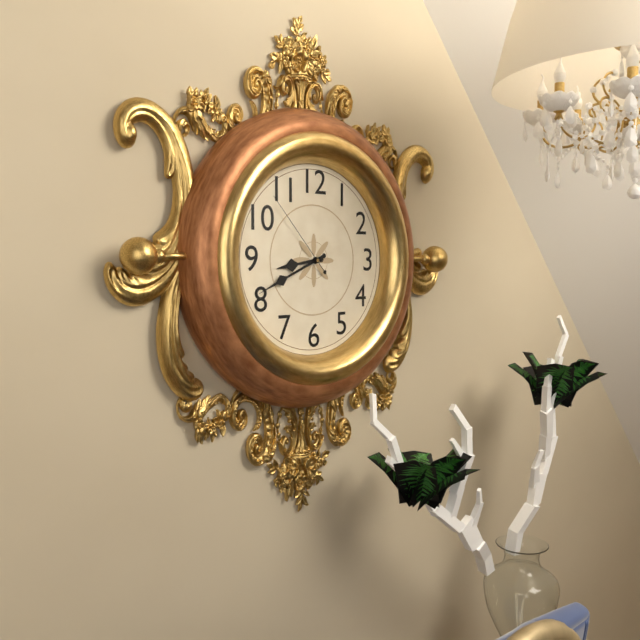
8:41:53
